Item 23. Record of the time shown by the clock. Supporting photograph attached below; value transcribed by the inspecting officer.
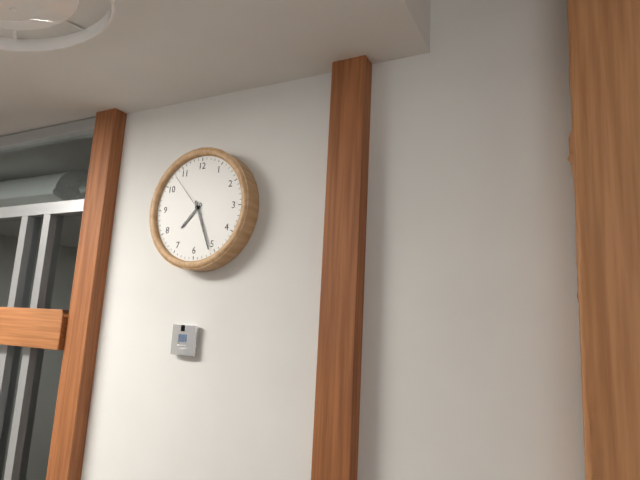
7:26
